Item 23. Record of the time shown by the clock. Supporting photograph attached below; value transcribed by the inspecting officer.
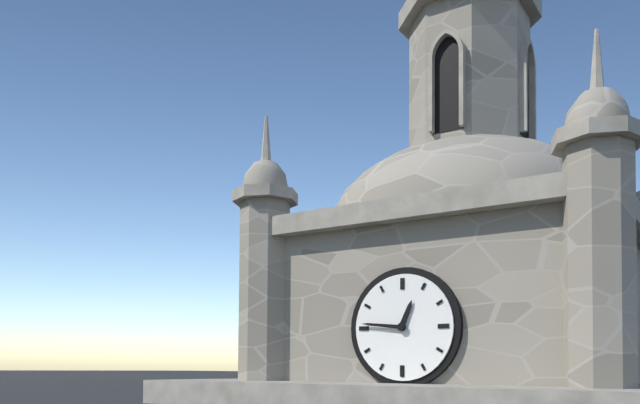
12:46
